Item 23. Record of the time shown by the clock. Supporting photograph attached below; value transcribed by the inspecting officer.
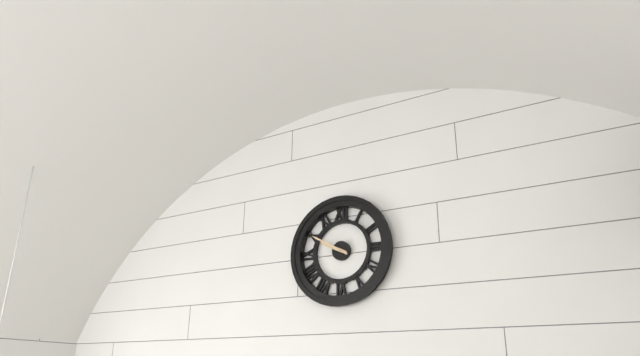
9:50
